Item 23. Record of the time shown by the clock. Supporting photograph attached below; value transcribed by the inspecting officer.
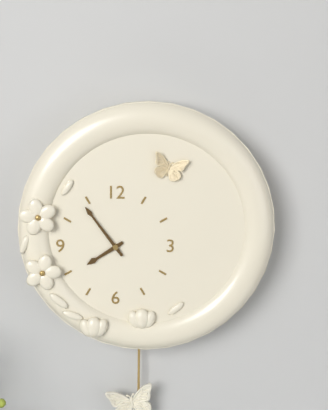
7:54
